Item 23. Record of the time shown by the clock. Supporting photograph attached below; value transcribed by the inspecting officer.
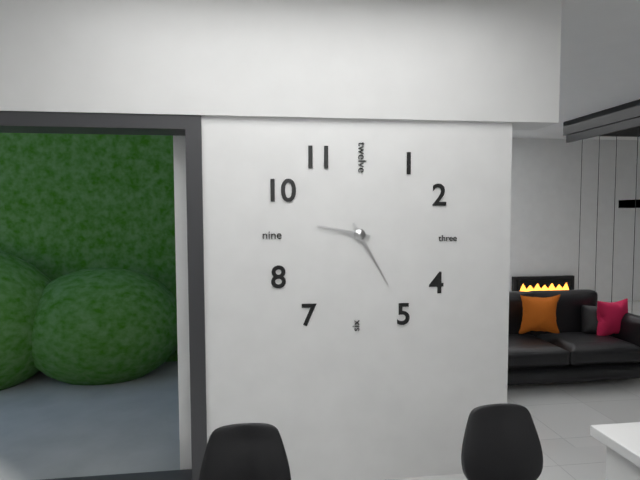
9:25
